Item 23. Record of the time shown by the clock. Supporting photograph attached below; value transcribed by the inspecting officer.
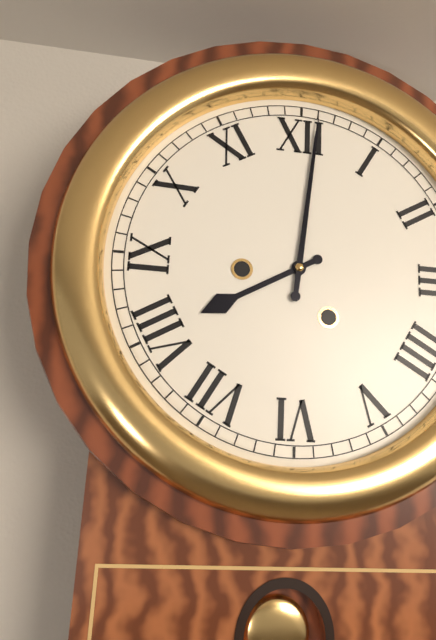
8:01
